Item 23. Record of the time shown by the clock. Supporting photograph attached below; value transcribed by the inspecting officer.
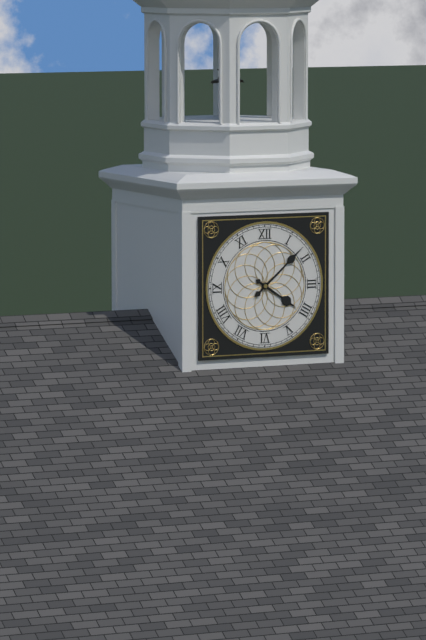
4:08
